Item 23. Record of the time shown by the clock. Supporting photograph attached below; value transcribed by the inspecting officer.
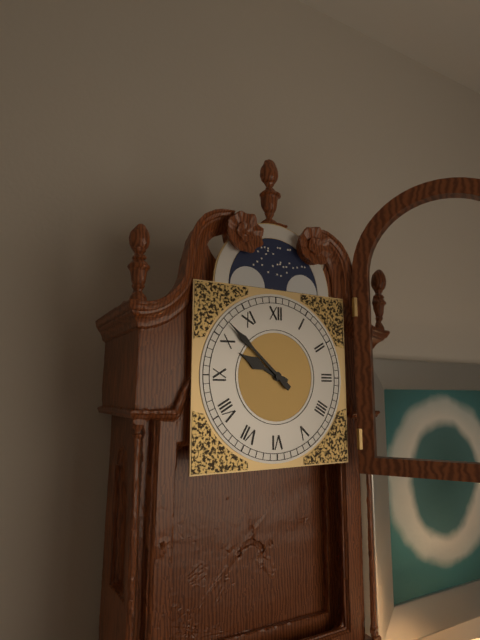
9:52
